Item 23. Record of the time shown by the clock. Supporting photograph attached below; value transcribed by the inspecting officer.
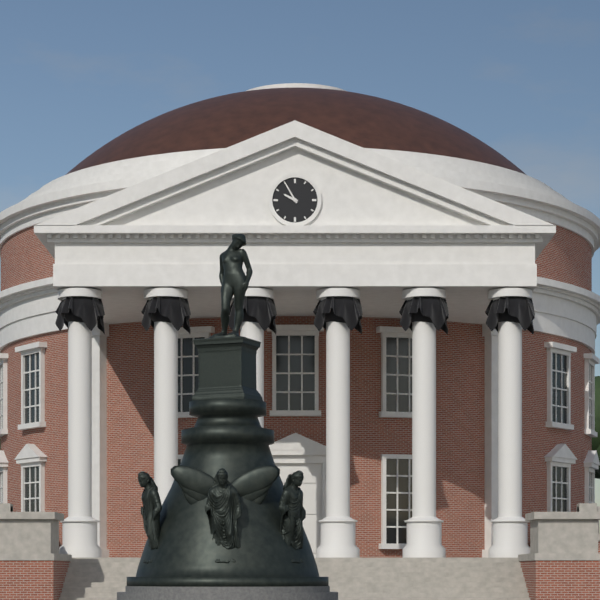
9:55
